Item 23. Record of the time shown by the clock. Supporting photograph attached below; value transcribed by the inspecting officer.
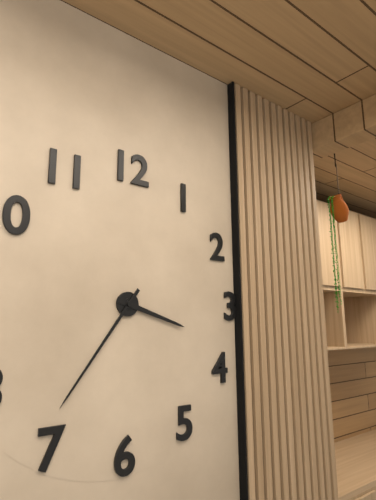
3:36
